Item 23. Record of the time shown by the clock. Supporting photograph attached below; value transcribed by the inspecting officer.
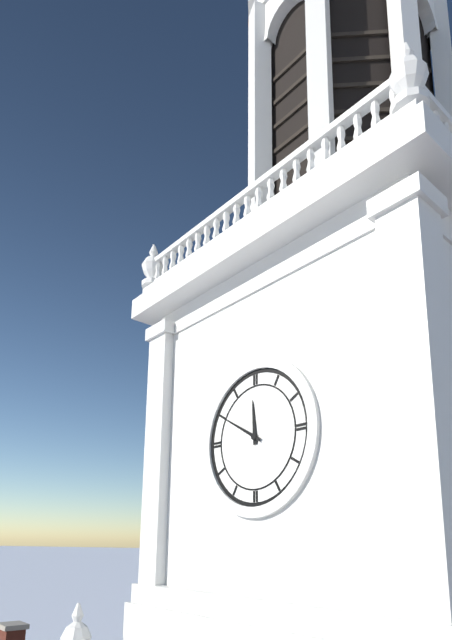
11:50
